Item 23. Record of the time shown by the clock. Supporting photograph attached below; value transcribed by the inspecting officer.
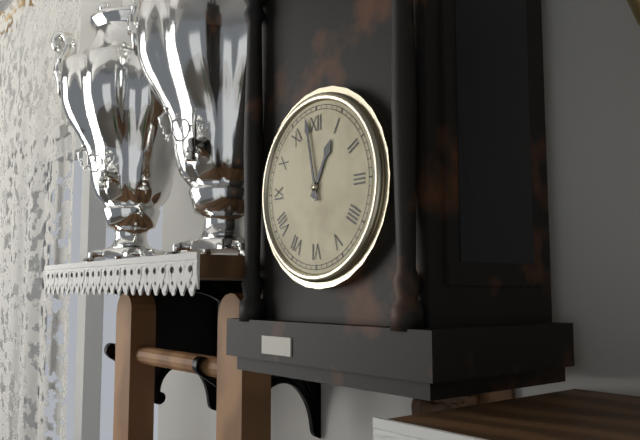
12:58
